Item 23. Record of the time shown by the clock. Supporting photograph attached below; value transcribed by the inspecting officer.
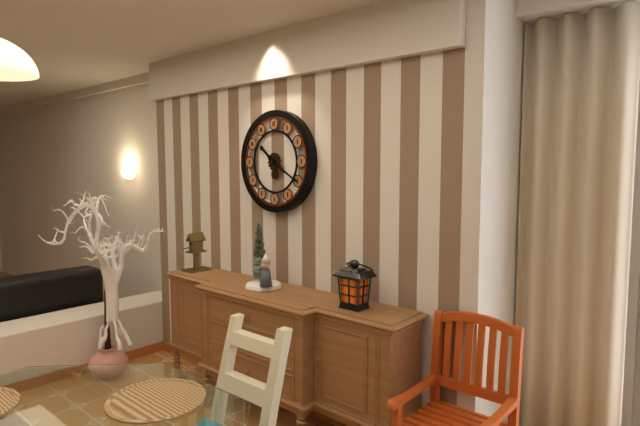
10:20
